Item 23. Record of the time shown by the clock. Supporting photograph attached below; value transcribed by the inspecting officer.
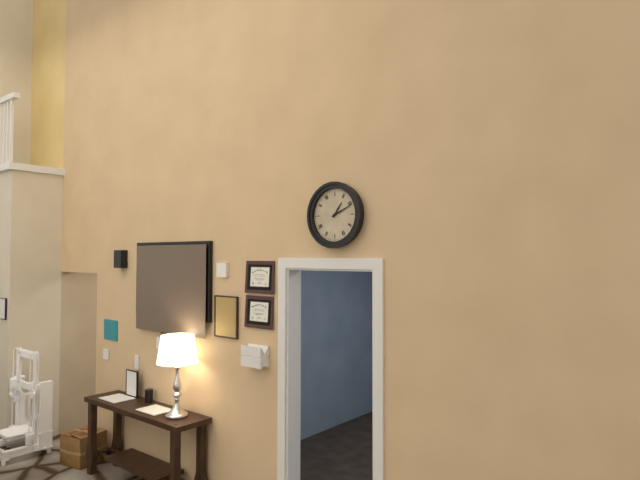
1:11
